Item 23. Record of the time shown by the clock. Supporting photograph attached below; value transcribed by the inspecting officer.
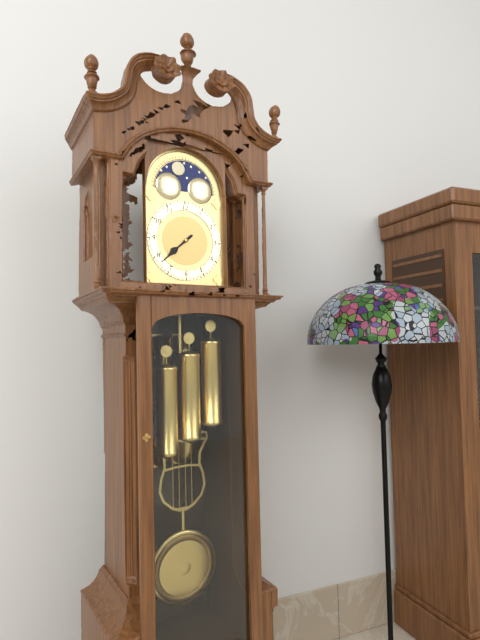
7:38
